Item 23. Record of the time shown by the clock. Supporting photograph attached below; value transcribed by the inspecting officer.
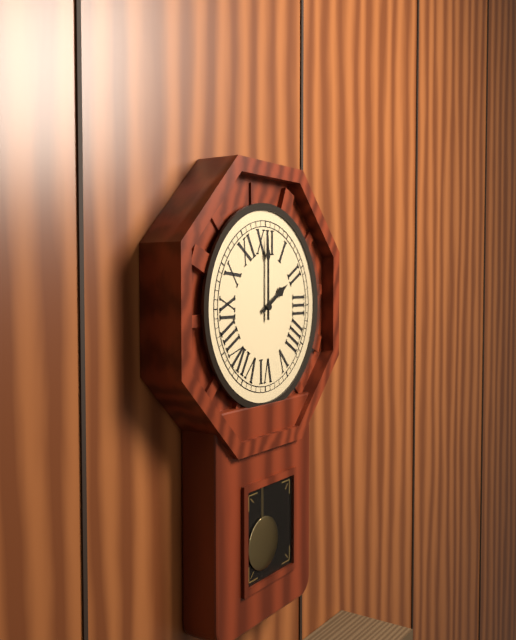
2:00
